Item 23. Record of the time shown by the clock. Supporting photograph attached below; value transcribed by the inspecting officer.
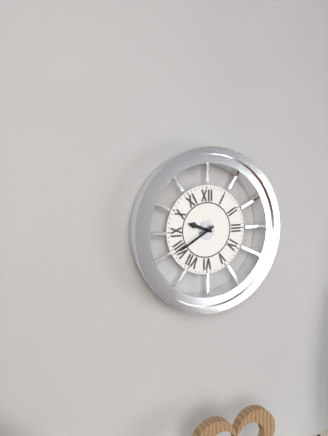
9:40
